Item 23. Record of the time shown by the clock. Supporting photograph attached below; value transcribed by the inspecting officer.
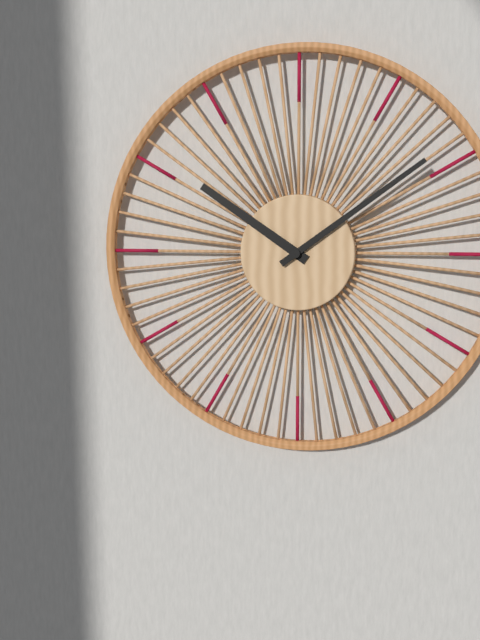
10:09
